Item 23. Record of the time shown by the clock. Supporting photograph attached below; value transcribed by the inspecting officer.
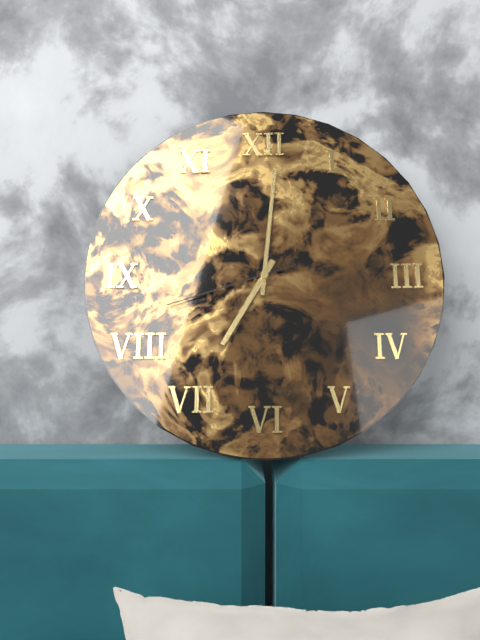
7:01:42
